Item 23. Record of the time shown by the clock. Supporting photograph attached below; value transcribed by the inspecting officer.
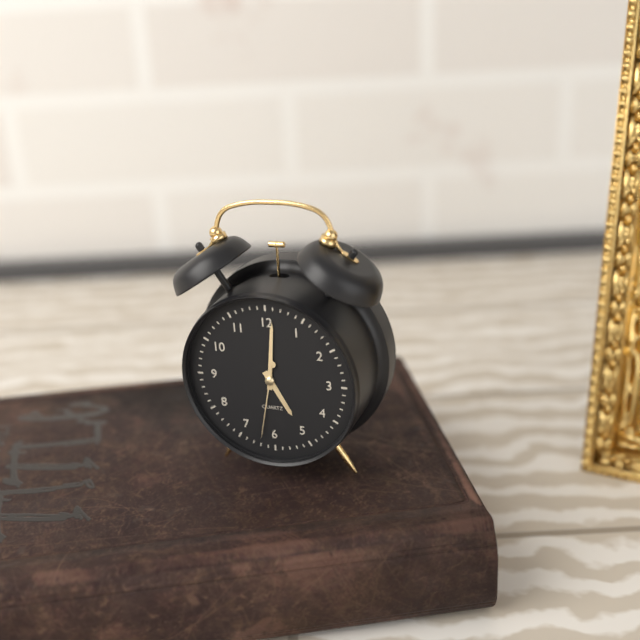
5:01:32
